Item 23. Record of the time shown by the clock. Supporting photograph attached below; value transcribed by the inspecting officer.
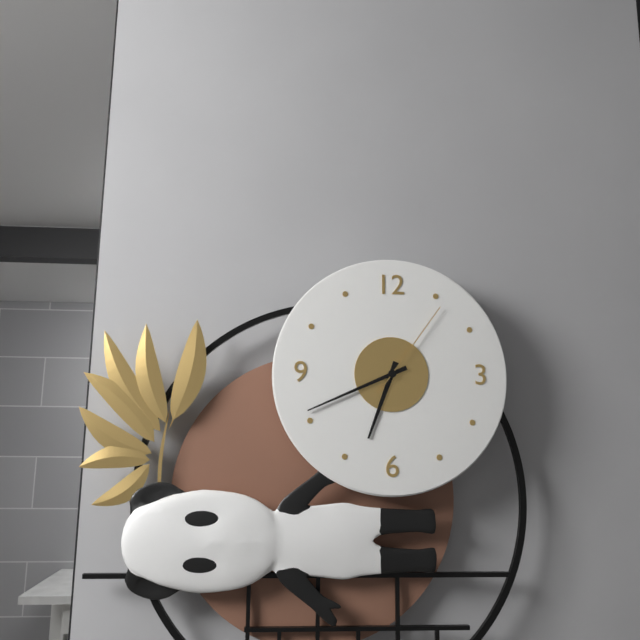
6:41:06
